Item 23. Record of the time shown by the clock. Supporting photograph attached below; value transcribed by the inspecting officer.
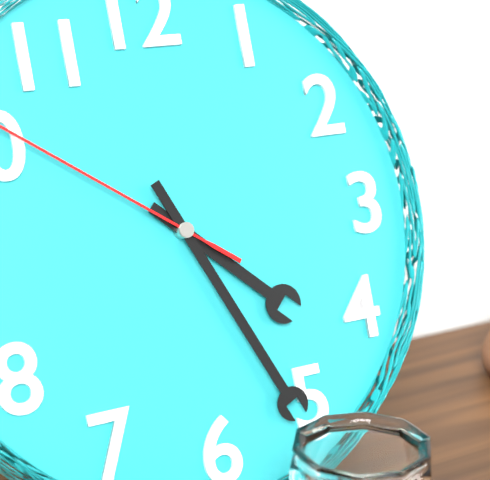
4:26
